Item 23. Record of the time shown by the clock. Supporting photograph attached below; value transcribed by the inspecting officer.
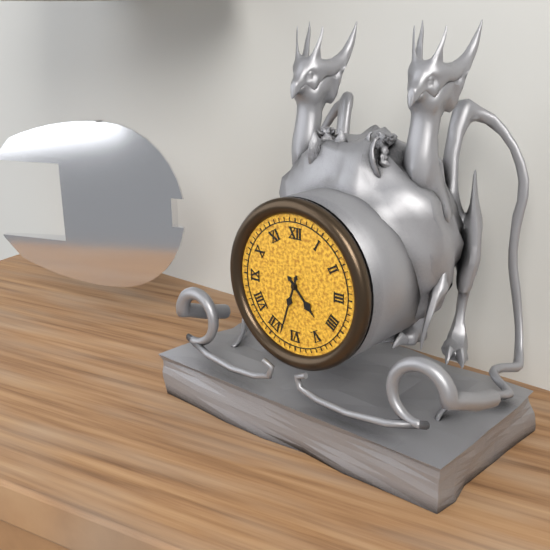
4:33
